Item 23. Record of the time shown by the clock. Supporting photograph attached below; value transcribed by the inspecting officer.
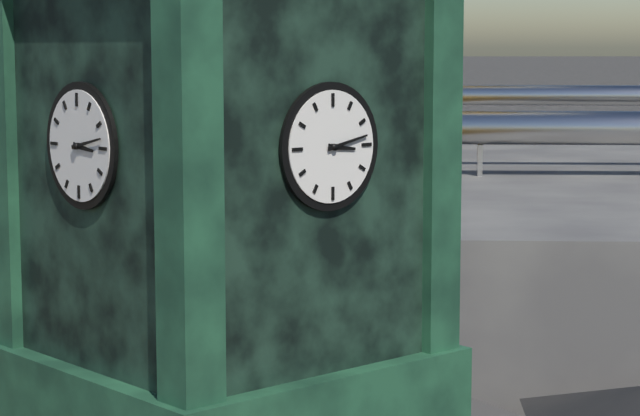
3:13
